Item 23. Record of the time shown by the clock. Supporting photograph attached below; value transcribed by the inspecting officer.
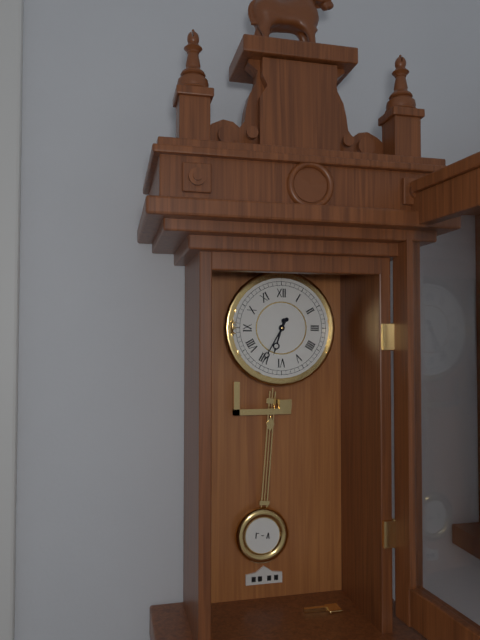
6:35
